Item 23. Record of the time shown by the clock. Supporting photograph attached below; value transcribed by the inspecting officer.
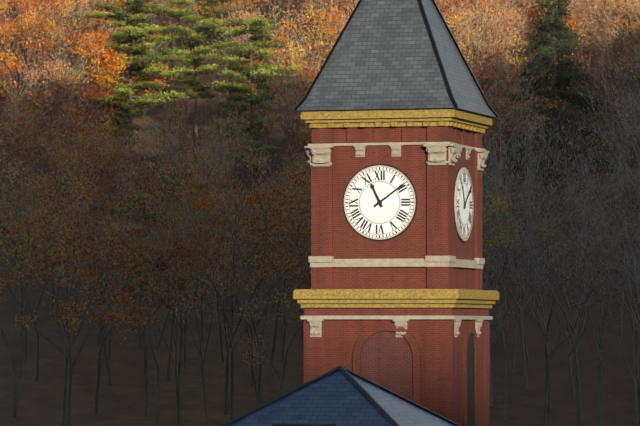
11:09
